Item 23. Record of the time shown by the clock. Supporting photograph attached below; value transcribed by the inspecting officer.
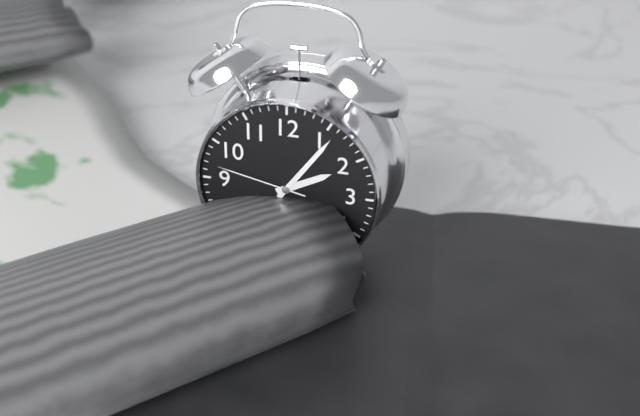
2:06:47
